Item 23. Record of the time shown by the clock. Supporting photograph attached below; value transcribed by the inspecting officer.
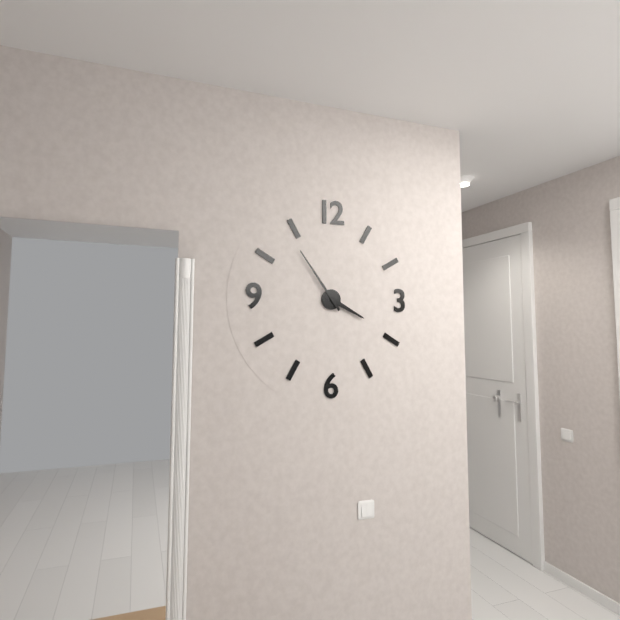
3:54
